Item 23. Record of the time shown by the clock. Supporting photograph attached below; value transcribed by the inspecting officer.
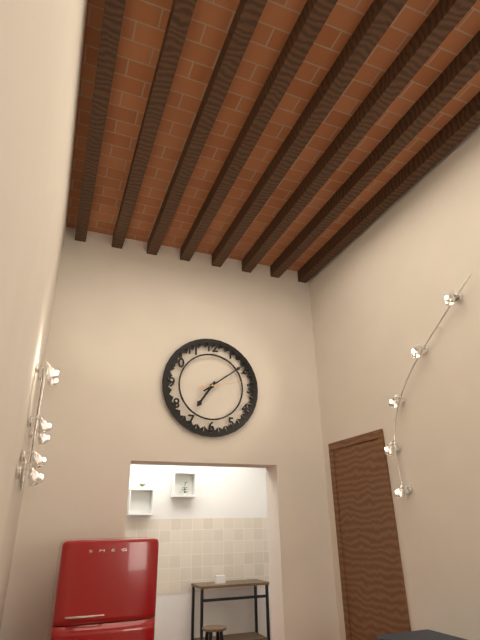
7:09
